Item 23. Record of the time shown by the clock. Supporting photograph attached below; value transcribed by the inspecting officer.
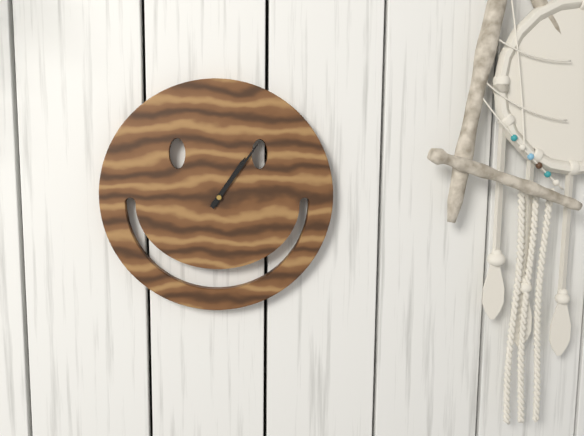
1:06
